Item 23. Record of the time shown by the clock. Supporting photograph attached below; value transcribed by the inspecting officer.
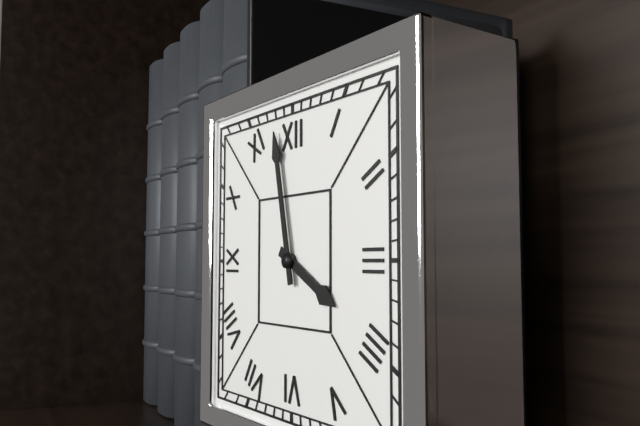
3:58
